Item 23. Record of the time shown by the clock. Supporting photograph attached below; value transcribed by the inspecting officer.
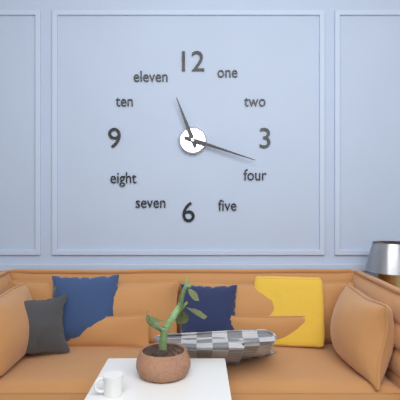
11:18
